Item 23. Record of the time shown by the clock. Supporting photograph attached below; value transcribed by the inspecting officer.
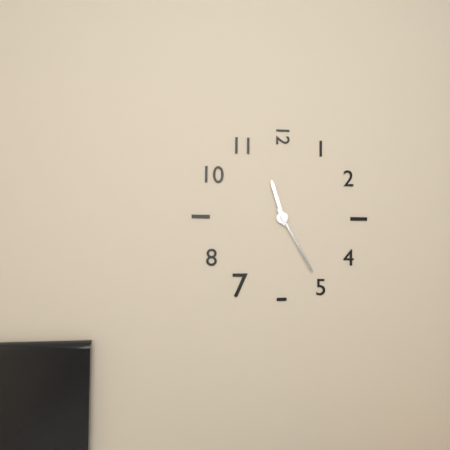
11:25
